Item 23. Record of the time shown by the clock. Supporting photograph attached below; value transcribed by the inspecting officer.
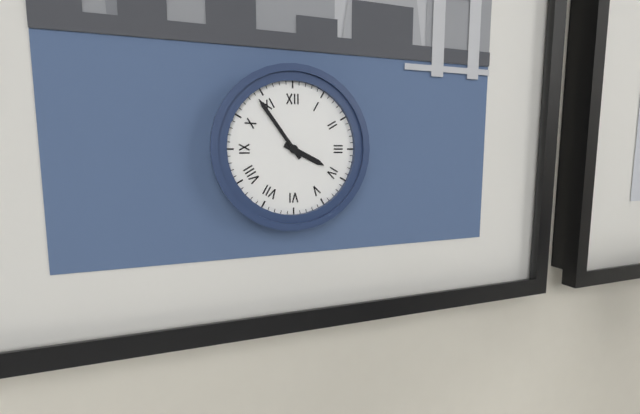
3:54
